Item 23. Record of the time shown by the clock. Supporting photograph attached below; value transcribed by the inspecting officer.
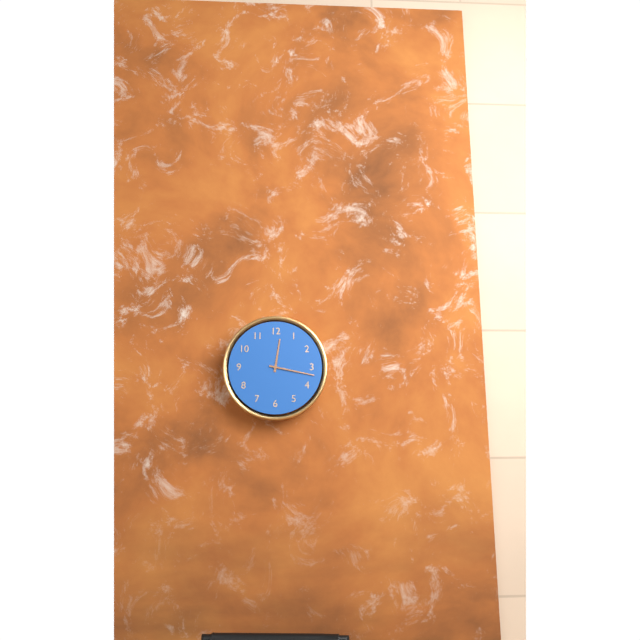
12:17
